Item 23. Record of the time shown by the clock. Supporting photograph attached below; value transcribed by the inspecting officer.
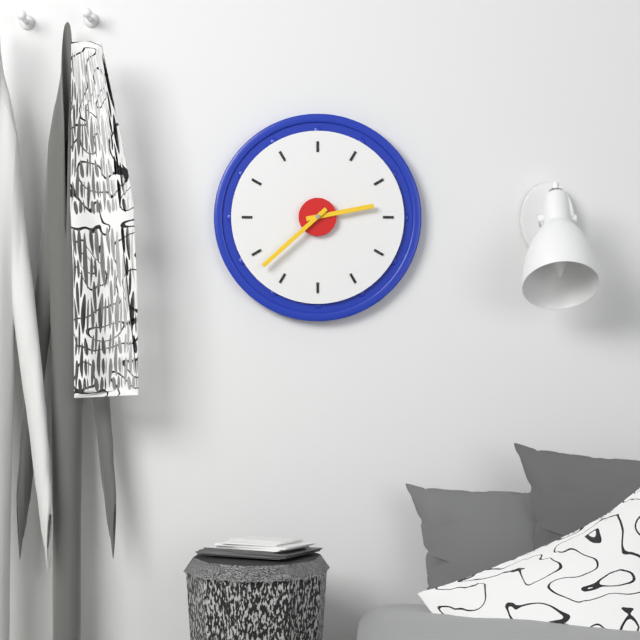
2:38
